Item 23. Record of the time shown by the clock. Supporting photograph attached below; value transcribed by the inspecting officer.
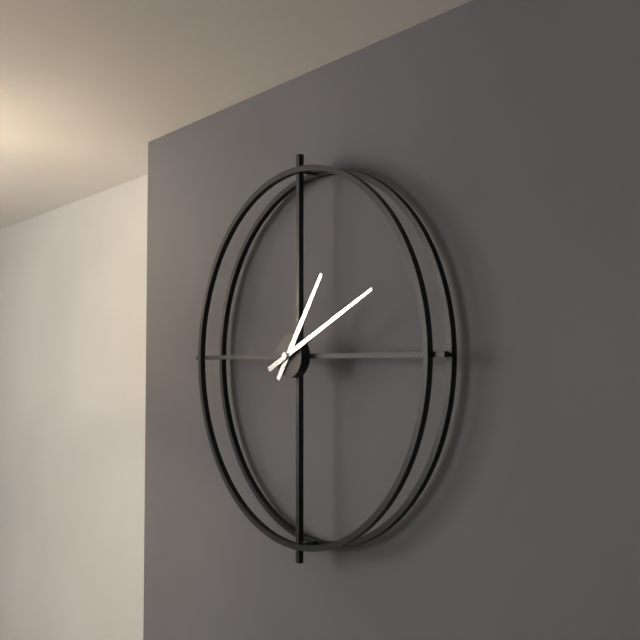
1:11
